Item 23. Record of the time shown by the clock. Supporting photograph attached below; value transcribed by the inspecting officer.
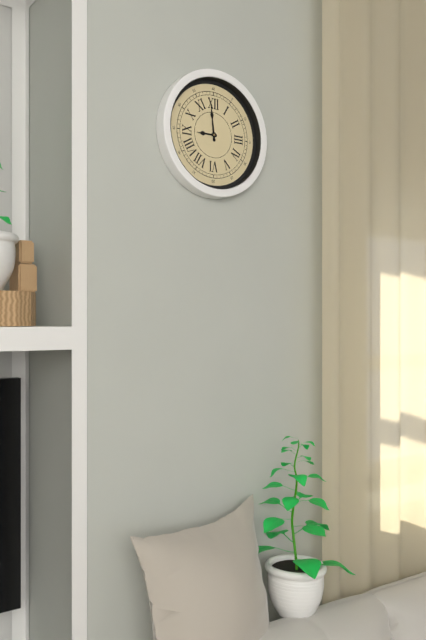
8:59
